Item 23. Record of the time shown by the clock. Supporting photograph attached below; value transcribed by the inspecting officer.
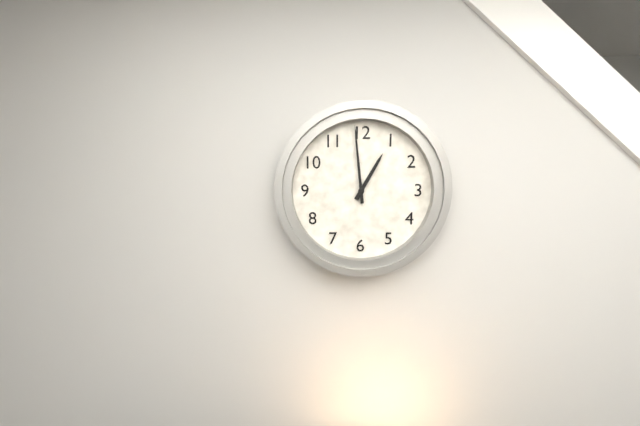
12:59
